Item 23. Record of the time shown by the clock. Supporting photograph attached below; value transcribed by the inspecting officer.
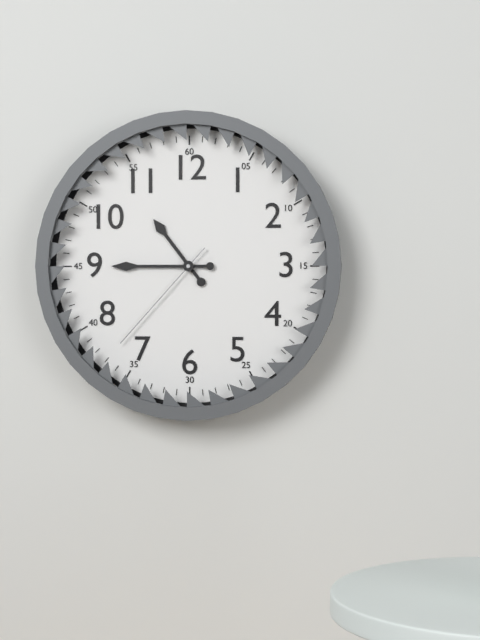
10:45:37
